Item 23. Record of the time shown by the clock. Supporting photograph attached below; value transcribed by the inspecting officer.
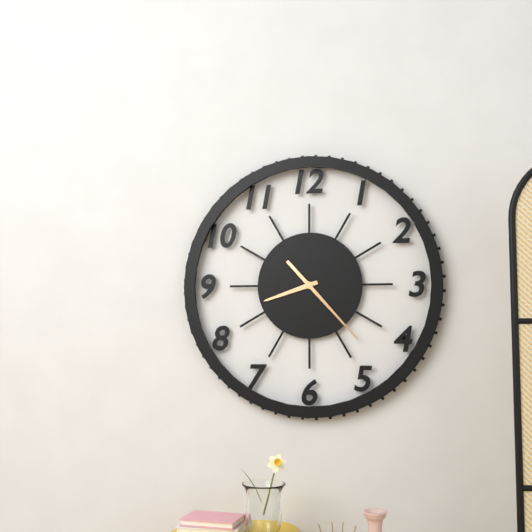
8:23
